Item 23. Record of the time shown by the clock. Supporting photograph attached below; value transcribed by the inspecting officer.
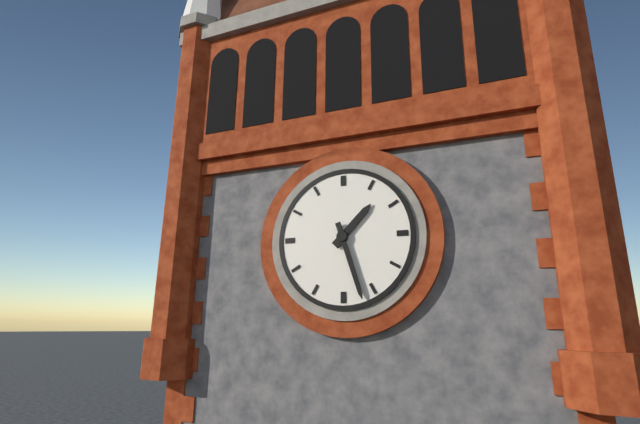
1:27
